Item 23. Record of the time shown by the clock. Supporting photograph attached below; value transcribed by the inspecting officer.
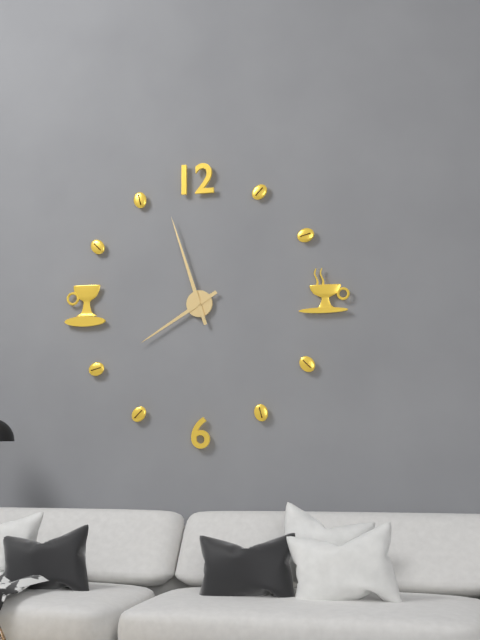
7:57
